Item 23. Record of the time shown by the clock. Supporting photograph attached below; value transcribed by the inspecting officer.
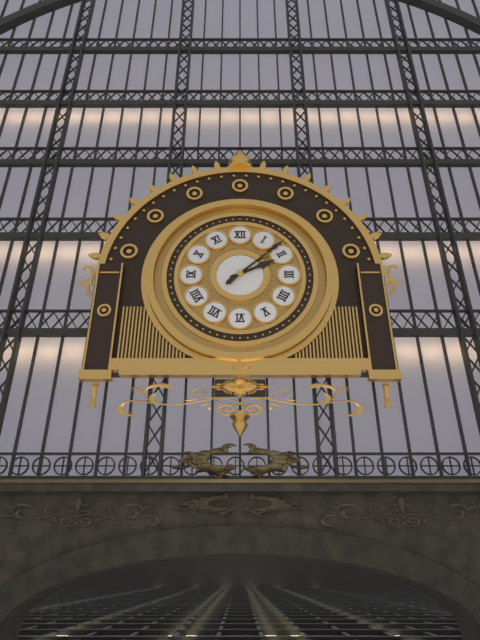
2:08
